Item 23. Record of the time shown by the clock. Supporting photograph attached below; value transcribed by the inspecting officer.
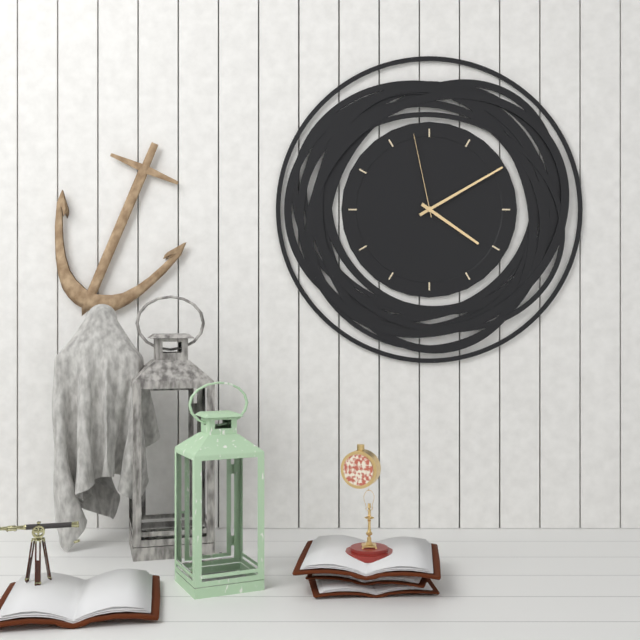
4:10:58
